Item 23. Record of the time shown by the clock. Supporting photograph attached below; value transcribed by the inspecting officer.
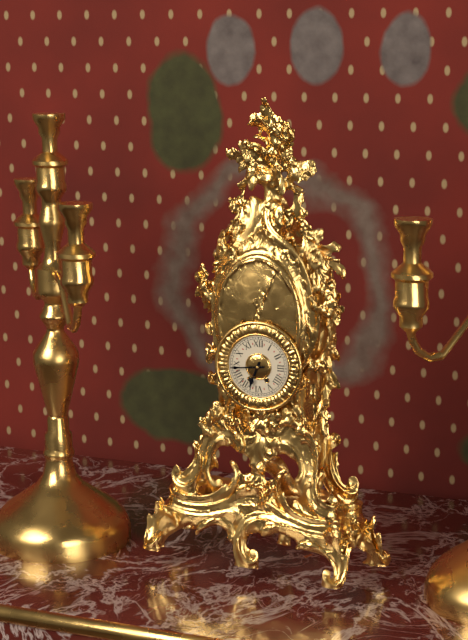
6:44
